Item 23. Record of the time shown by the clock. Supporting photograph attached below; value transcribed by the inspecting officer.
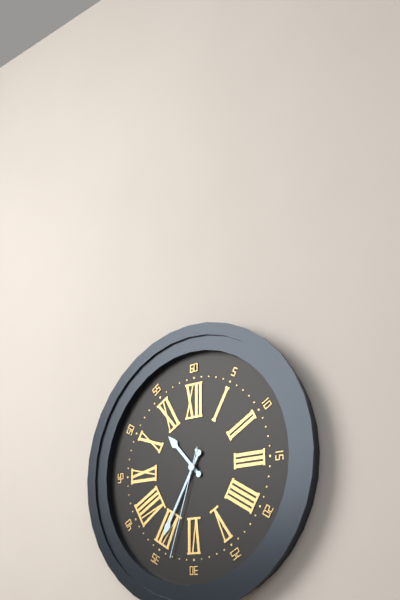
10:35:33
